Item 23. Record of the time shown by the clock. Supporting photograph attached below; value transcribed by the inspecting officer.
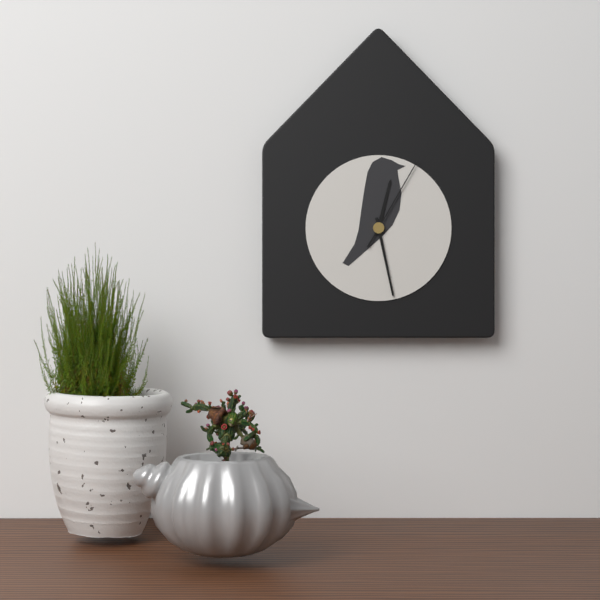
12:28:05
